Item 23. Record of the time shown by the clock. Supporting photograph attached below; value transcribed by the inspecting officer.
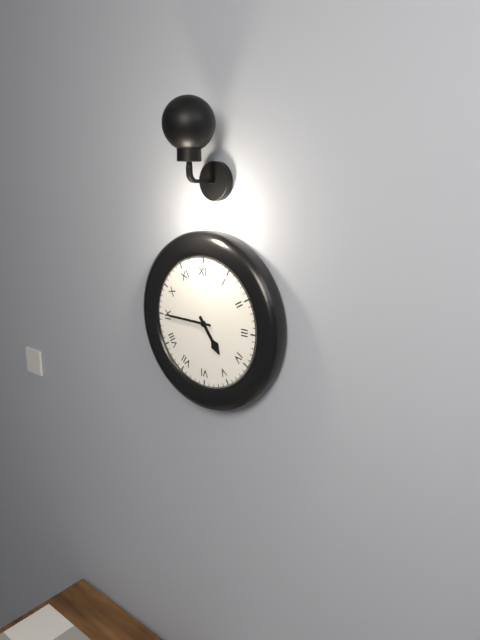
4:45
